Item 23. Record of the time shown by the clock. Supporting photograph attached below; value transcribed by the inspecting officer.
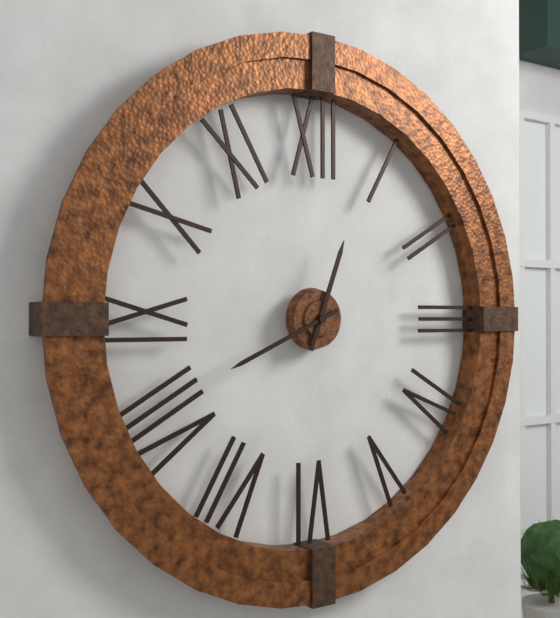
12:41
